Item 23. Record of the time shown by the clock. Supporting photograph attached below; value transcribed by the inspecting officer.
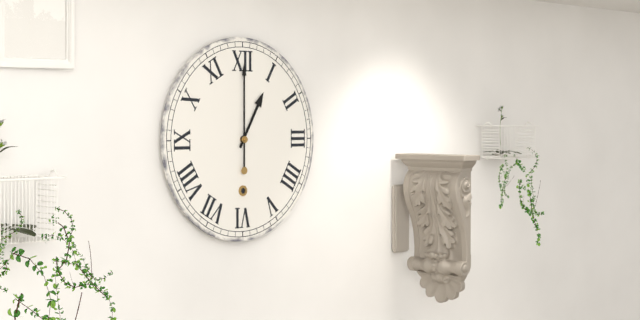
1:00
